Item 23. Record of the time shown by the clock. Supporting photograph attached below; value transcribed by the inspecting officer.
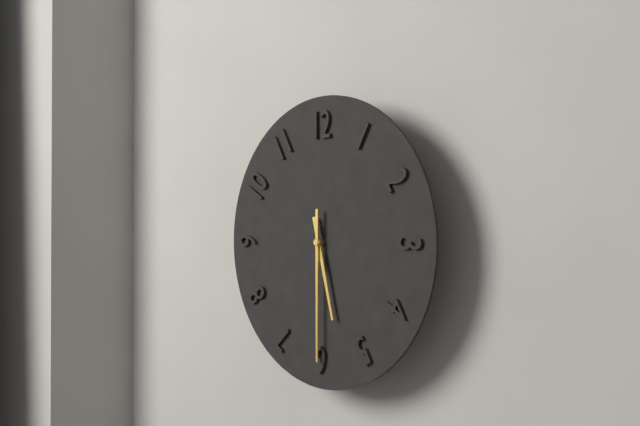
5:30
